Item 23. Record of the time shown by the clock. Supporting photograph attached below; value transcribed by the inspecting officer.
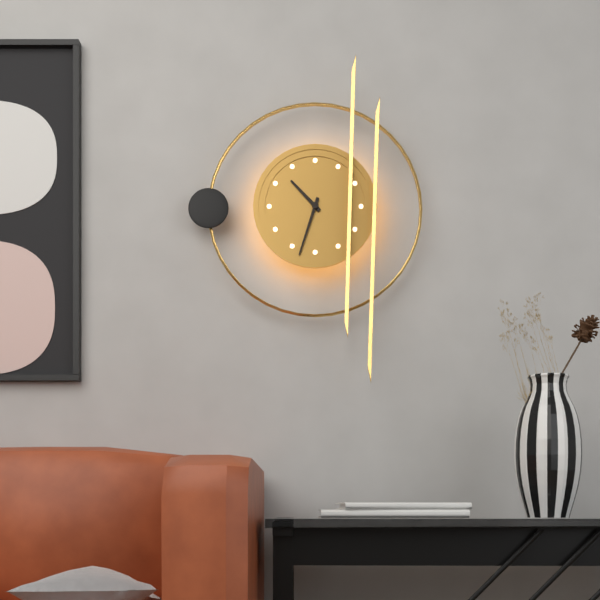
10:33
